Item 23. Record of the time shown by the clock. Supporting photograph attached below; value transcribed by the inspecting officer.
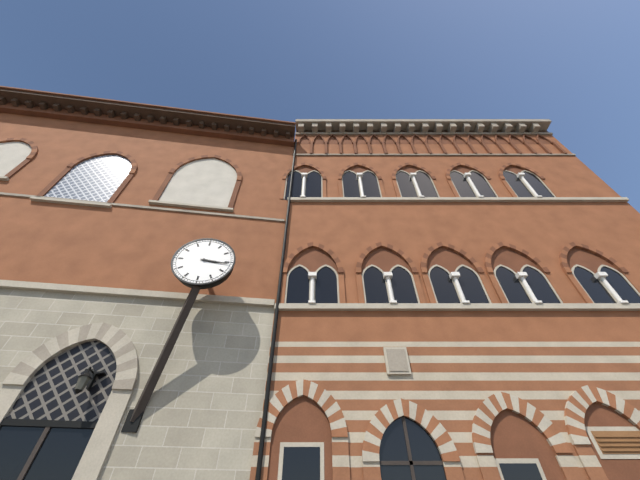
3:16
